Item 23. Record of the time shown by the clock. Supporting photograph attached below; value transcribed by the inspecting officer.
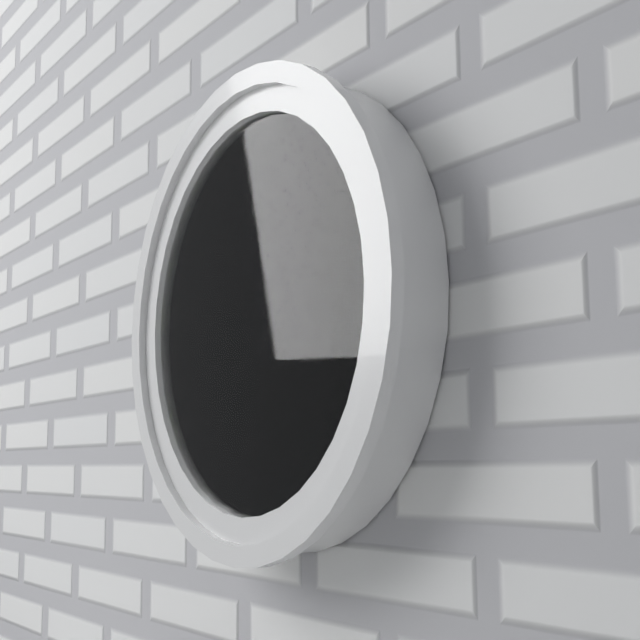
7:49:50
